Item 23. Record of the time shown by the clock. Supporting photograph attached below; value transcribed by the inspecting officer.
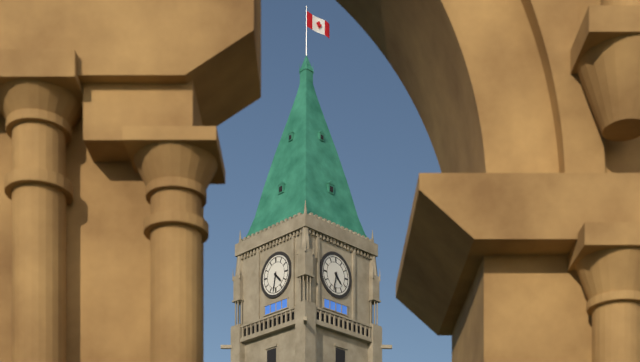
4:32
